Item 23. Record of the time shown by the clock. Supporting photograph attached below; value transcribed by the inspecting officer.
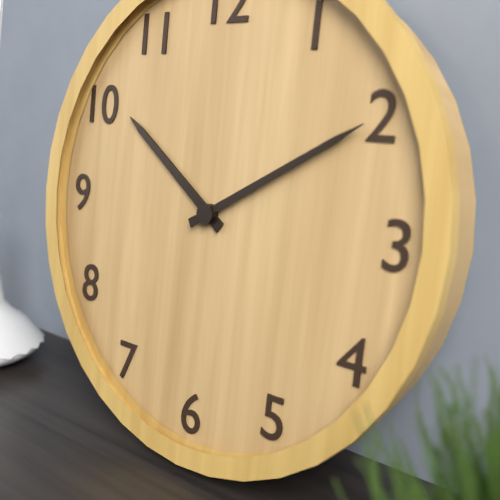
10:10
